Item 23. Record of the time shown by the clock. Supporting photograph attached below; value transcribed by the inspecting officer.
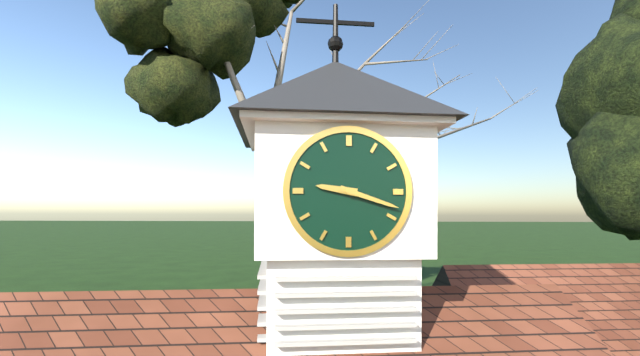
9:18
